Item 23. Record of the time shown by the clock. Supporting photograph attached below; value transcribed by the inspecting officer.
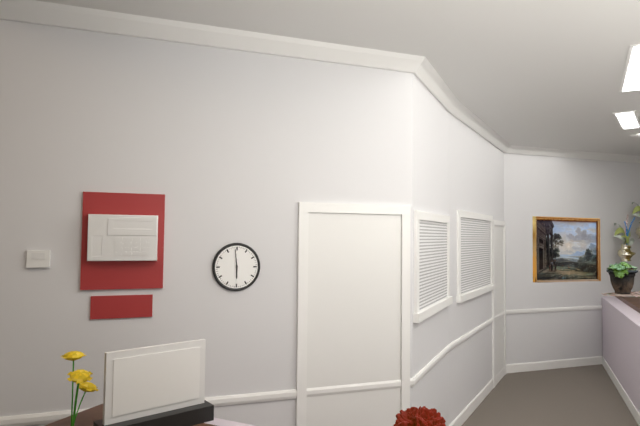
5:59
